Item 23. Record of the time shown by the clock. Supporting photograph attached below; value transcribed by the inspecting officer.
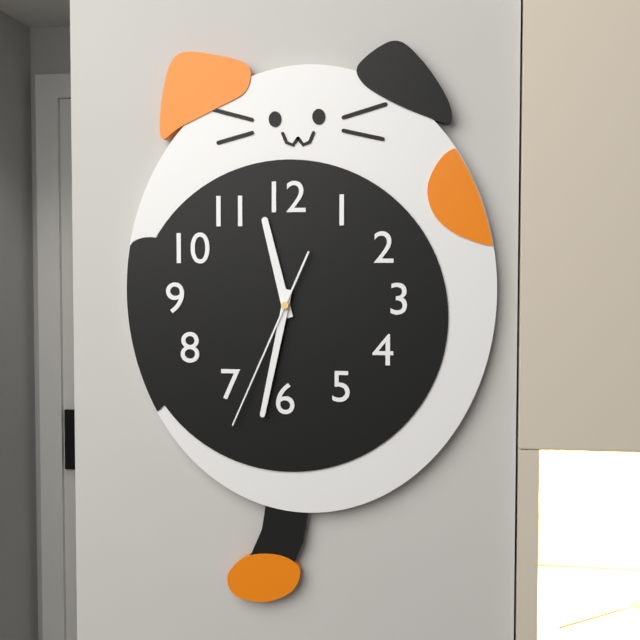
11:32:34
